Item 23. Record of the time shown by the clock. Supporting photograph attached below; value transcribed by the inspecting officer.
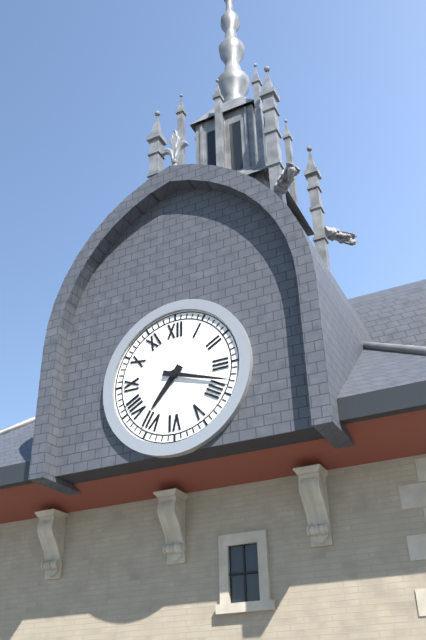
7:18
